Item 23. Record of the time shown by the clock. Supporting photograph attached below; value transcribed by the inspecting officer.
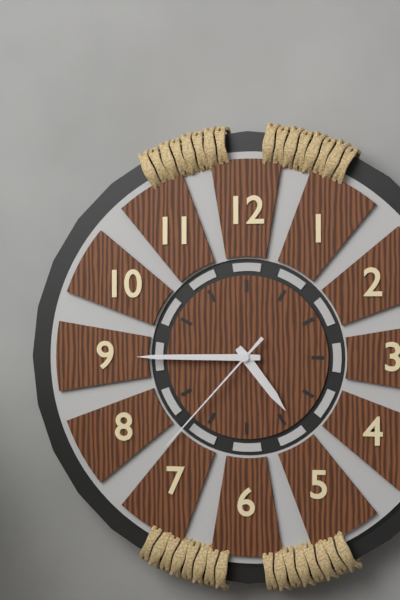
4:45:37
